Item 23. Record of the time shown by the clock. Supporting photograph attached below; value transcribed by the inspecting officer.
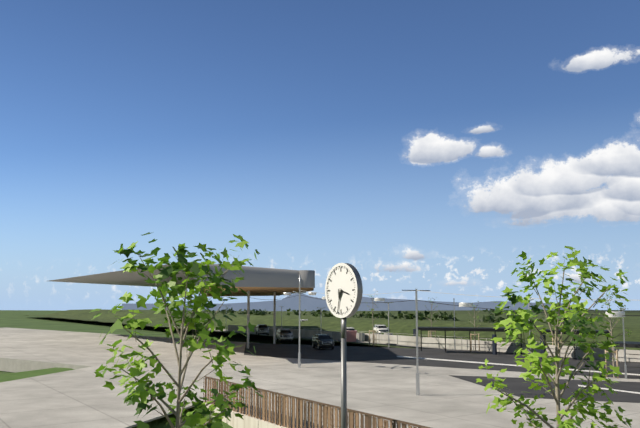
3:32
